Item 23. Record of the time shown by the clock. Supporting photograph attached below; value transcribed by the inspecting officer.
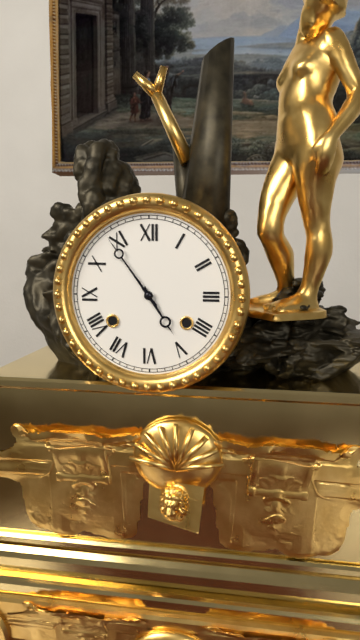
4:54
